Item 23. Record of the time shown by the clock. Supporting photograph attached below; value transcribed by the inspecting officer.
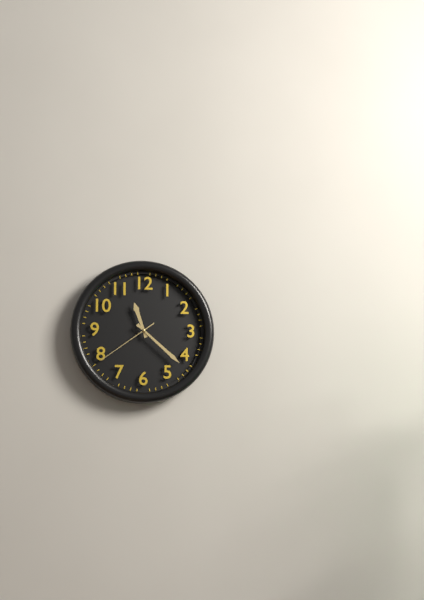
11:22:39
